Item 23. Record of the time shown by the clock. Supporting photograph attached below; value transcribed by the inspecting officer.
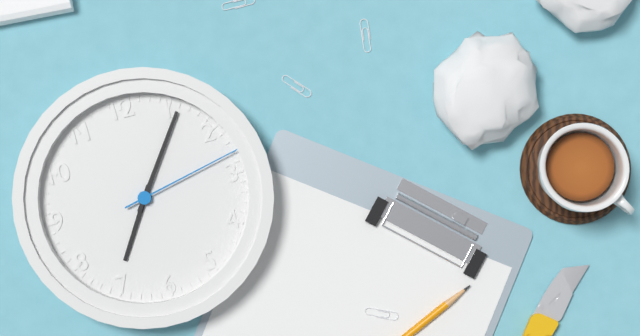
7:06:13
